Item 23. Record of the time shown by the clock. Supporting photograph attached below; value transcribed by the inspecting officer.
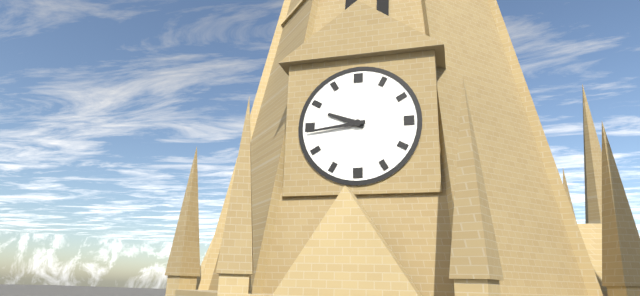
9:44
